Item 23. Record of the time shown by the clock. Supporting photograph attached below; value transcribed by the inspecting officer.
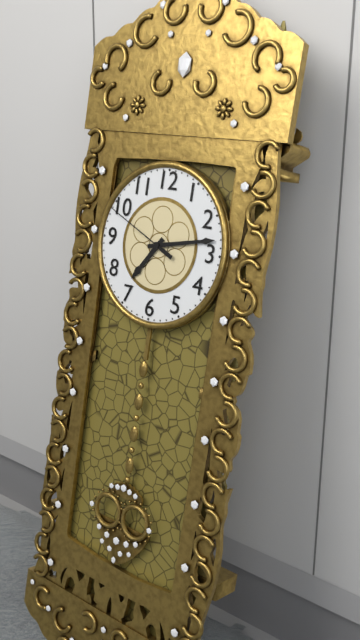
7:13:49
